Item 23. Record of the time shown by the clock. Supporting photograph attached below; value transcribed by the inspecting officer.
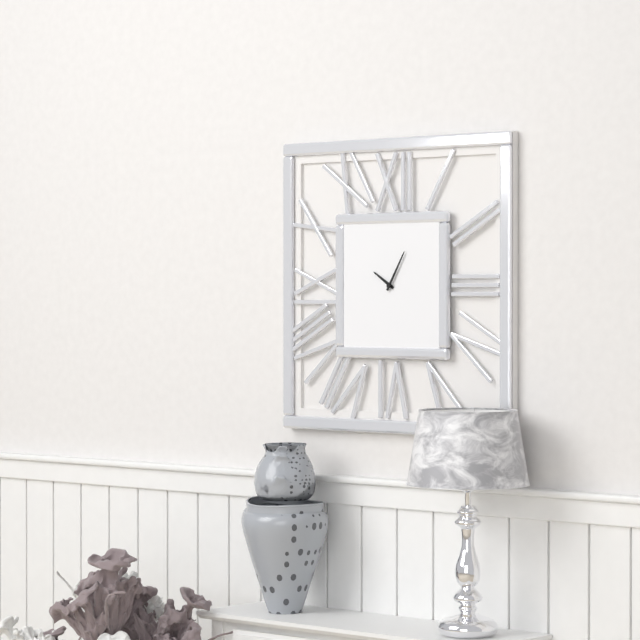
10:05
